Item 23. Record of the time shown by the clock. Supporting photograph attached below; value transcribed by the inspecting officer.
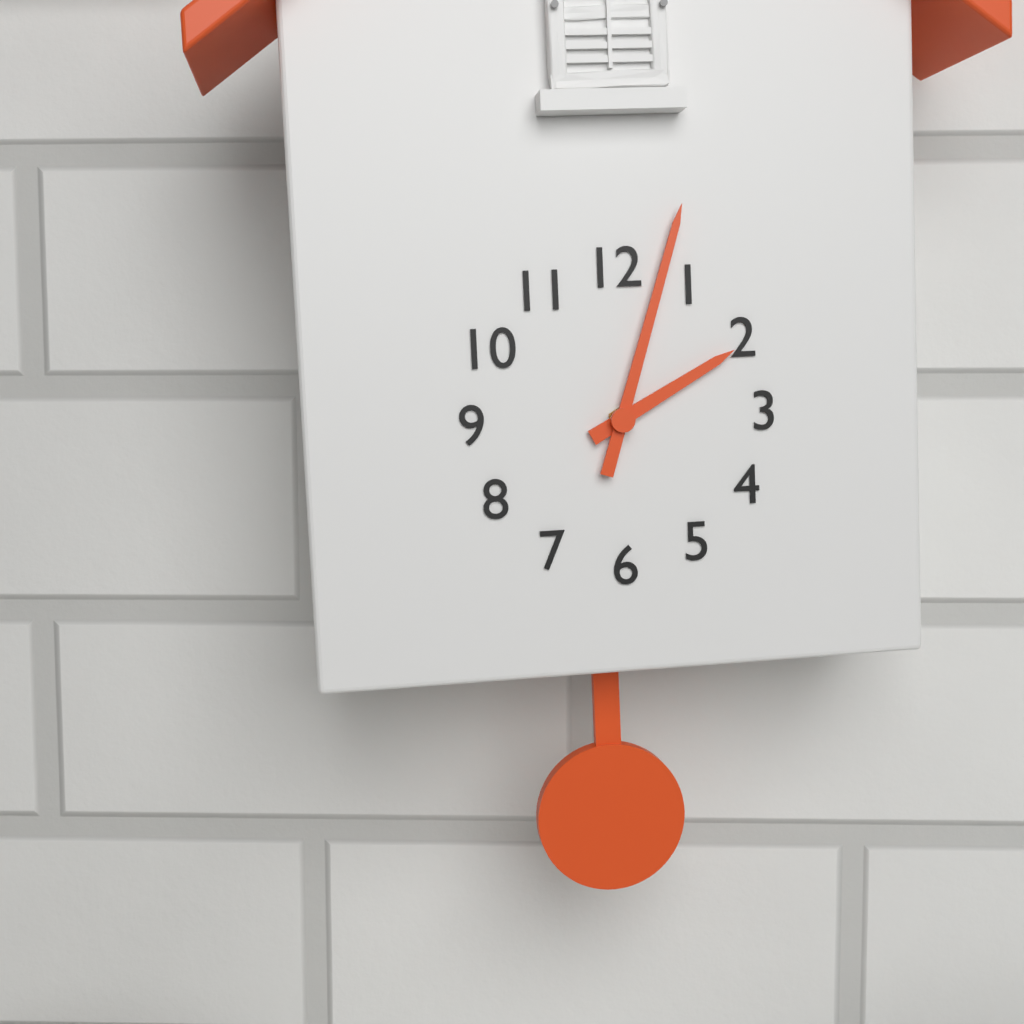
2:03
